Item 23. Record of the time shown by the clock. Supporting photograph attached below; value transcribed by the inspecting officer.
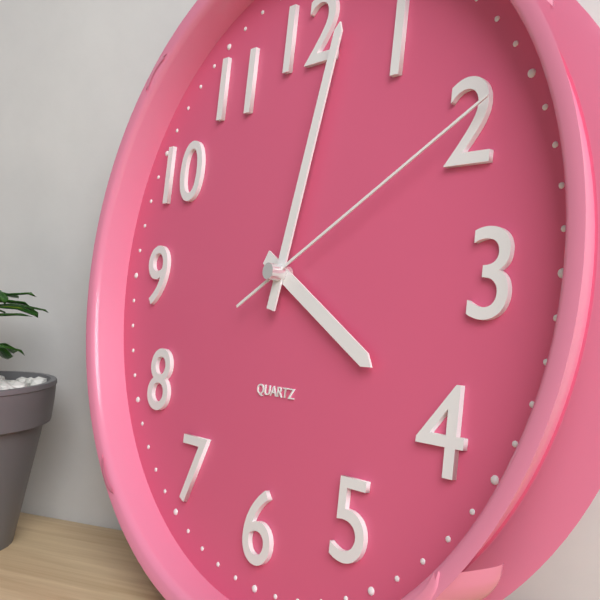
4:02:10
